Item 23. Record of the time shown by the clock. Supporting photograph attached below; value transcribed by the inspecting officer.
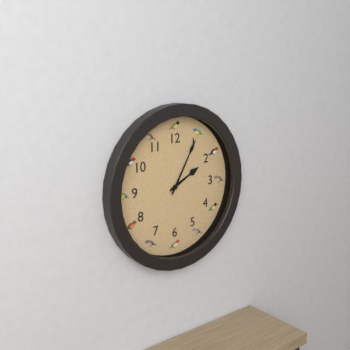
2:05
